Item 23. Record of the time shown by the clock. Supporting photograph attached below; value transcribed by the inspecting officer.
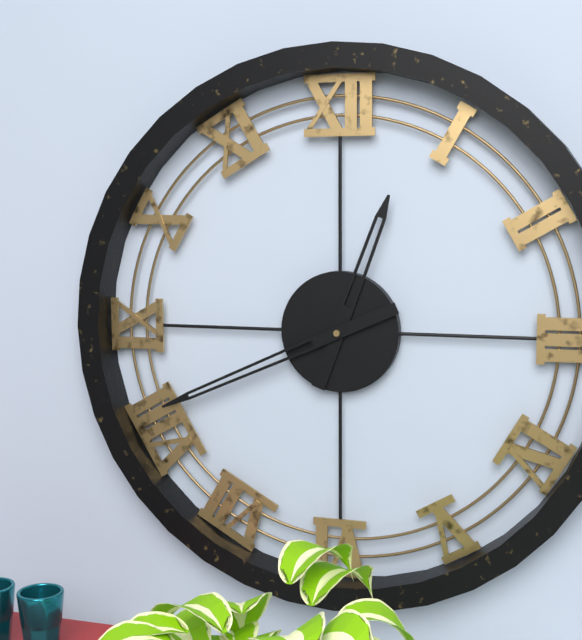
12:41
